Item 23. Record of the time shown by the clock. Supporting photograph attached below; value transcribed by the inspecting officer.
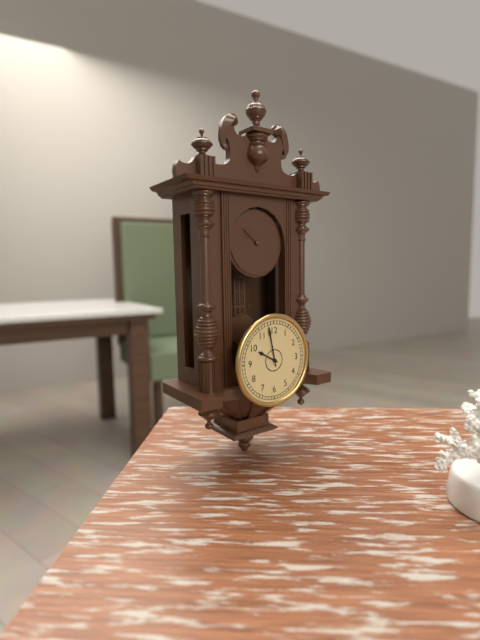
9:58
